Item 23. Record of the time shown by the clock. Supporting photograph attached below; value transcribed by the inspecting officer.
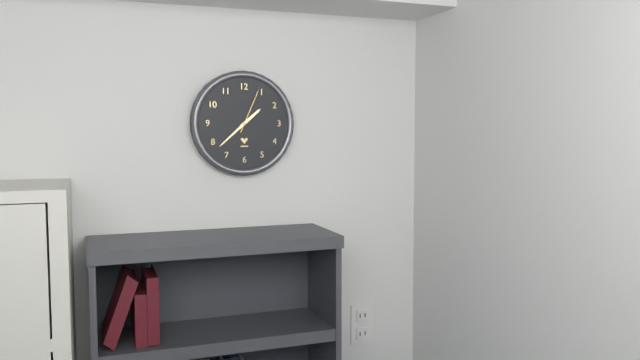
1:38
